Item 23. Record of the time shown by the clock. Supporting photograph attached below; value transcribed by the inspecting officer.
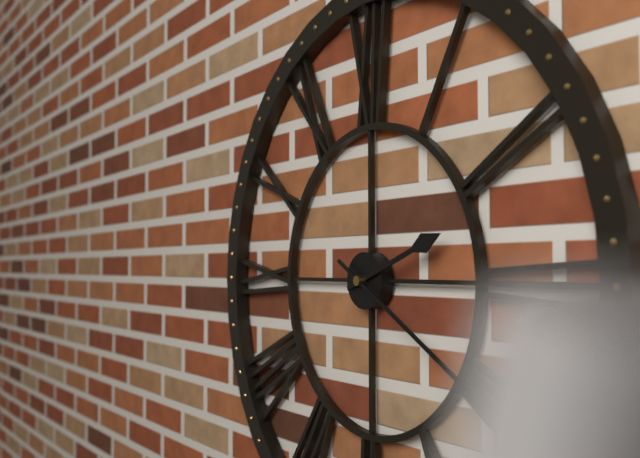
2:20
